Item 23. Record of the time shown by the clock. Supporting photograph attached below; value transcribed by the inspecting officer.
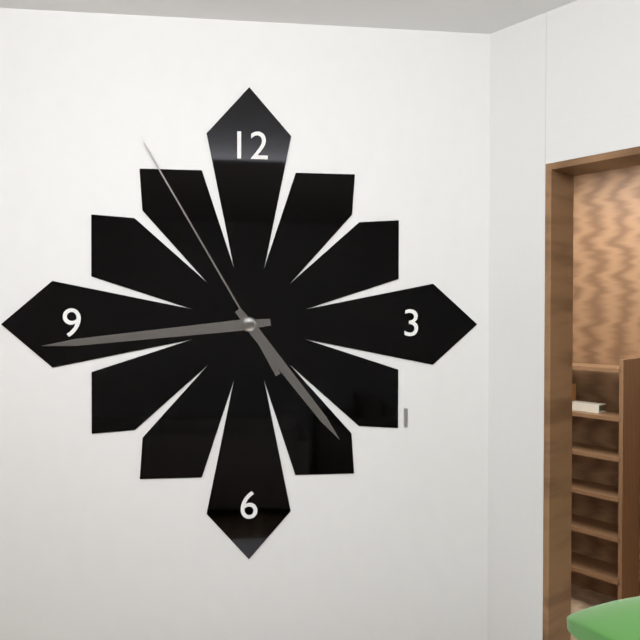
4:44:55
